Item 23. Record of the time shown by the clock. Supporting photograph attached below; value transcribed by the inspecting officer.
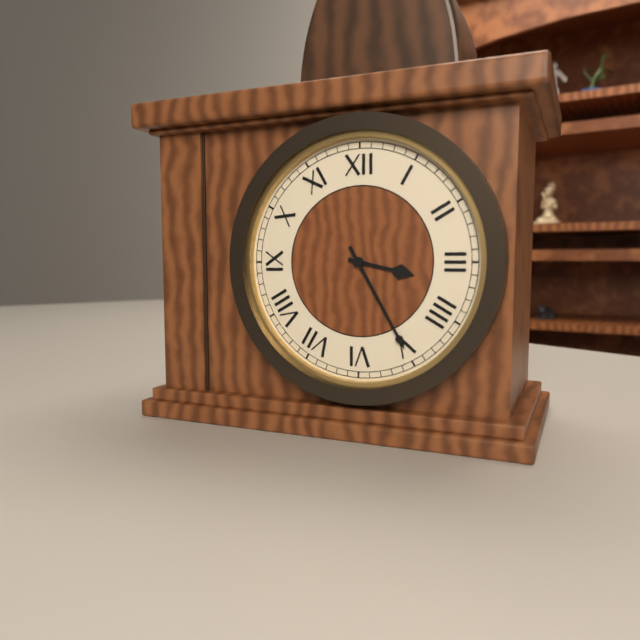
3:25
